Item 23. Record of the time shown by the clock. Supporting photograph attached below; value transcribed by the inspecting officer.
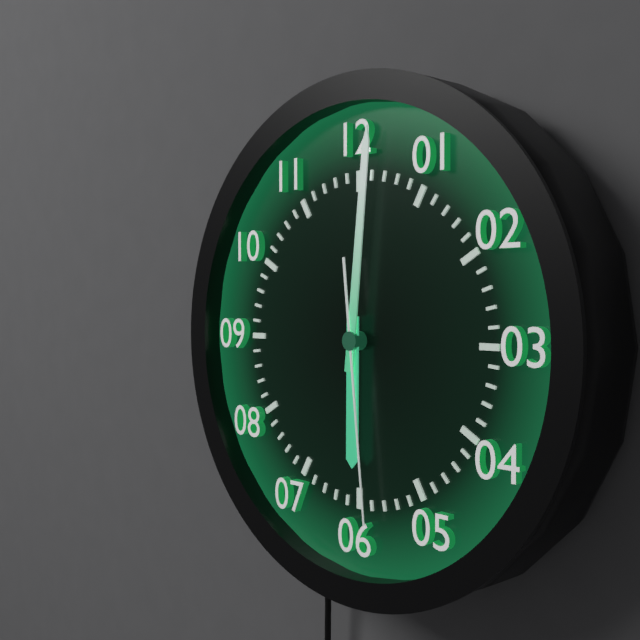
6:01:29
